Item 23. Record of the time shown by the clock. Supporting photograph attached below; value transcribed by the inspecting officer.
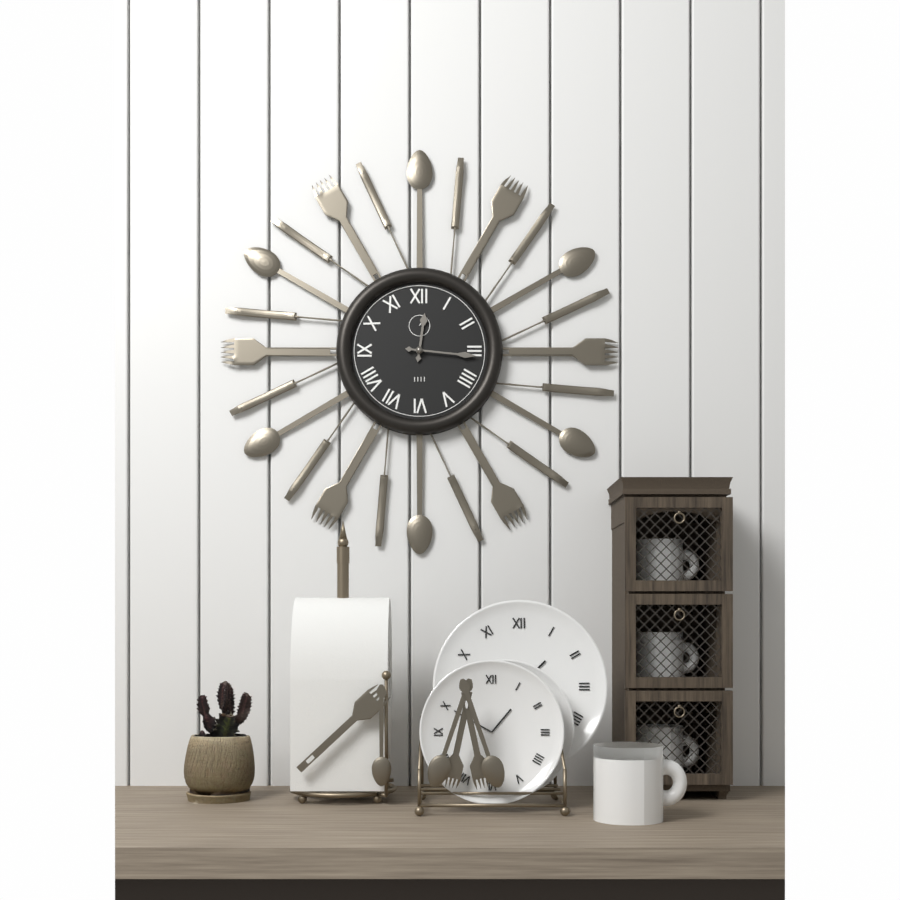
12:16
